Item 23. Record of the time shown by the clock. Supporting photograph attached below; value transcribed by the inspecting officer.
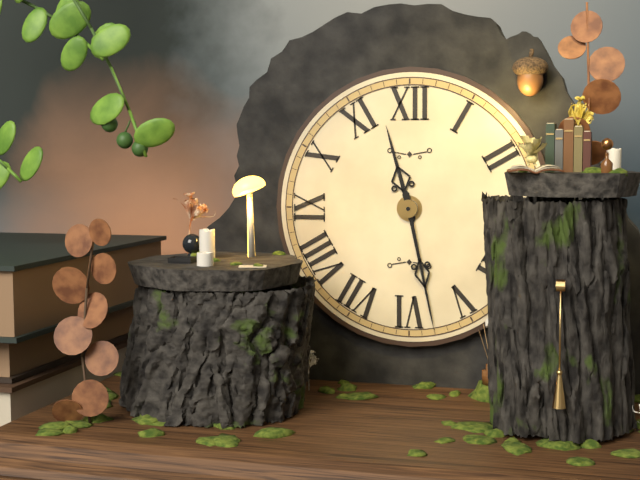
11:28
